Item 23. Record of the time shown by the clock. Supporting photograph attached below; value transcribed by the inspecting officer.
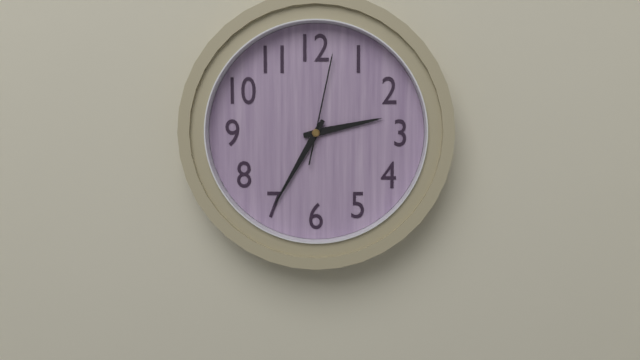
2:35:02
